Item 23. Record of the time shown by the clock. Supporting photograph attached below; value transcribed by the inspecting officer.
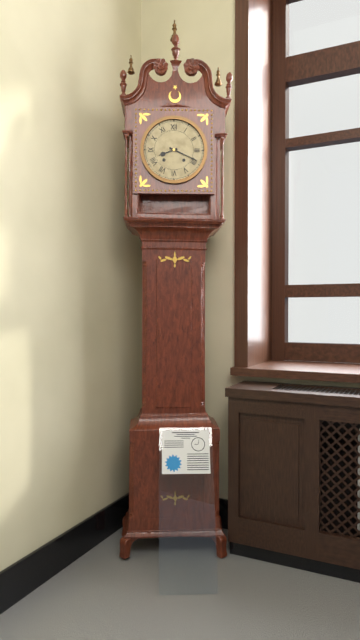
8:19
